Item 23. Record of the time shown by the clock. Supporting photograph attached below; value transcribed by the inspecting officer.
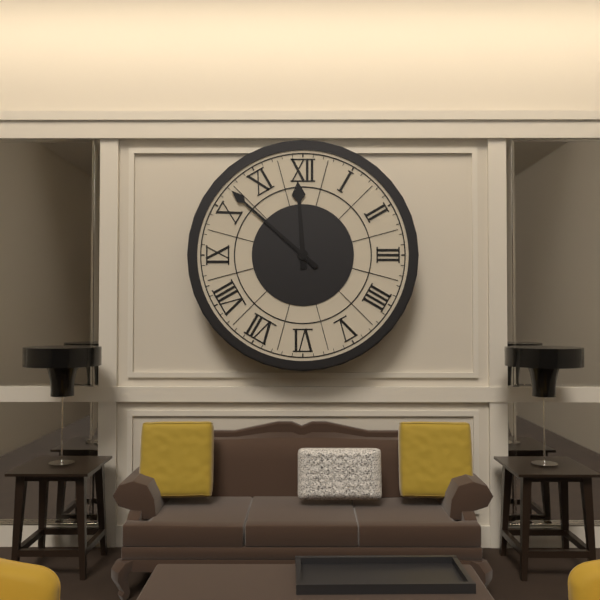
11:52
